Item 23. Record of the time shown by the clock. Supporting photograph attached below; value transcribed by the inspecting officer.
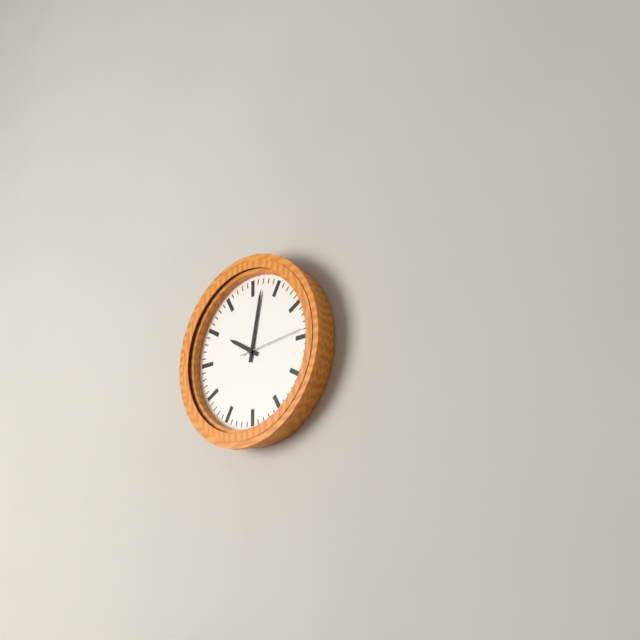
10:02:14
